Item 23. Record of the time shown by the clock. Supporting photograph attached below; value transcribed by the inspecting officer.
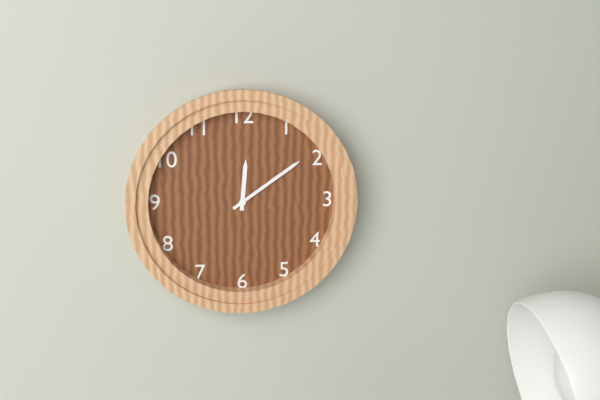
12:09
